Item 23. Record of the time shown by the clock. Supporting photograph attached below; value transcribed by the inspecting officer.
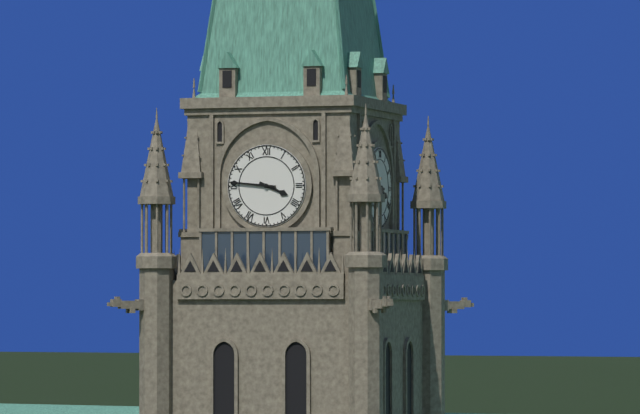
3:46
